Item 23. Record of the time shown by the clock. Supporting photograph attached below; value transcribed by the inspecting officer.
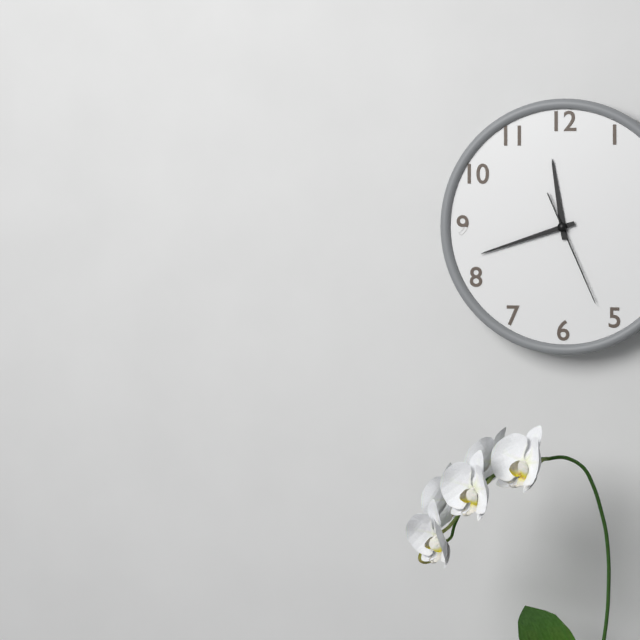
11:42:26
